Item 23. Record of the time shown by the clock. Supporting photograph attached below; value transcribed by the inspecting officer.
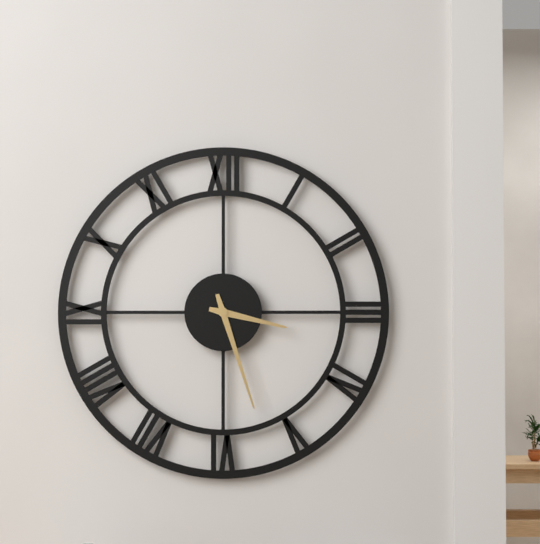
3:27
